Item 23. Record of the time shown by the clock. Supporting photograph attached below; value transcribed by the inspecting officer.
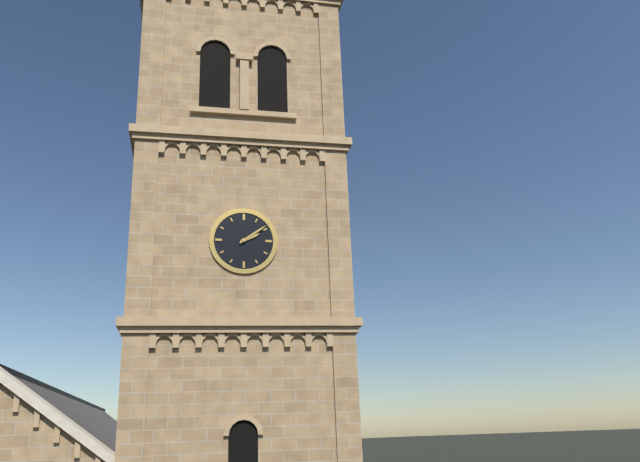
2:09
